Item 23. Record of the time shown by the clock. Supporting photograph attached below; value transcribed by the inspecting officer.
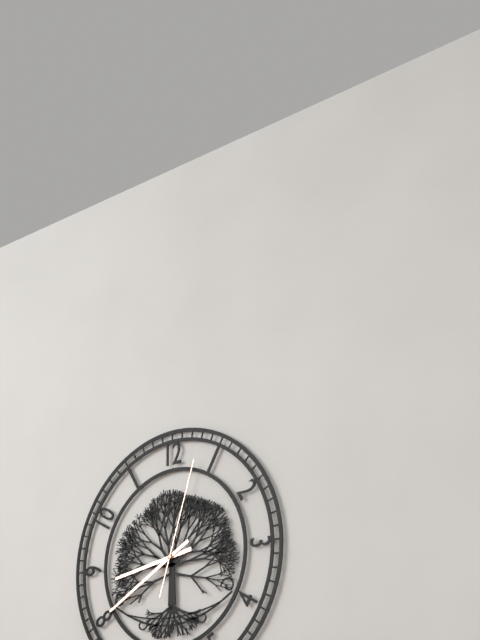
8:40:03
